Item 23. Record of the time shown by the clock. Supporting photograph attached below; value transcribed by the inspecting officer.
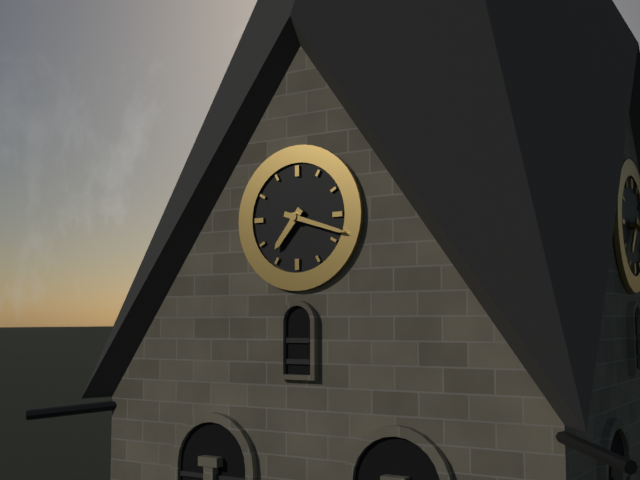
7:18
